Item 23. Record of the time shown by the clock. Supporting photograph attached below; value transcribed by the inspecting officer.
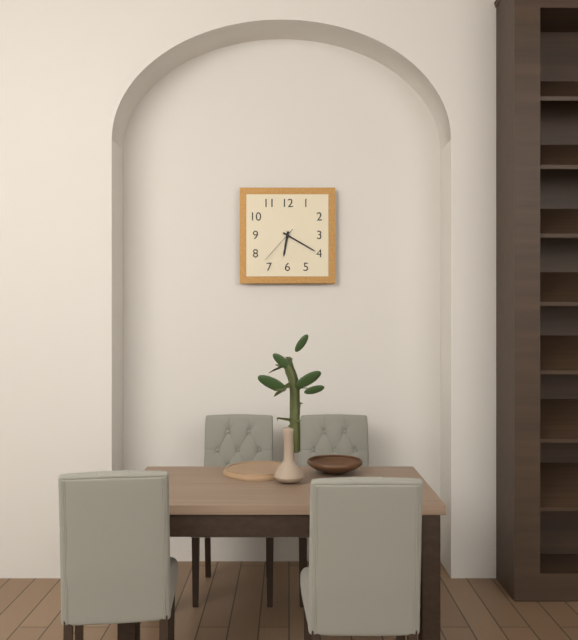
6:20
